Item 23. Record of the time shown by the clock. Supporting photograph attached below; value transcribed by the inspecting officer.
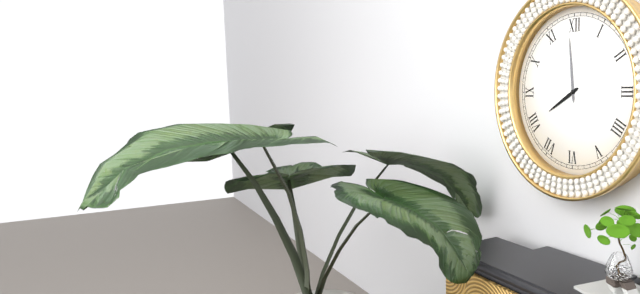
7:59
